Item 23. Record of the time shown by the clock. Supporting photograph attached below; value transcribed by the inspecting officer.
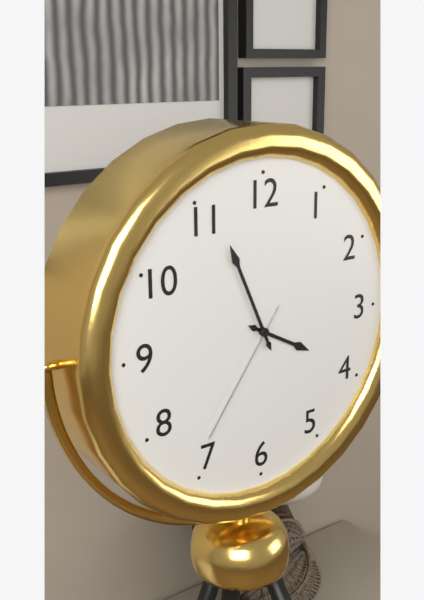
3:56:36
